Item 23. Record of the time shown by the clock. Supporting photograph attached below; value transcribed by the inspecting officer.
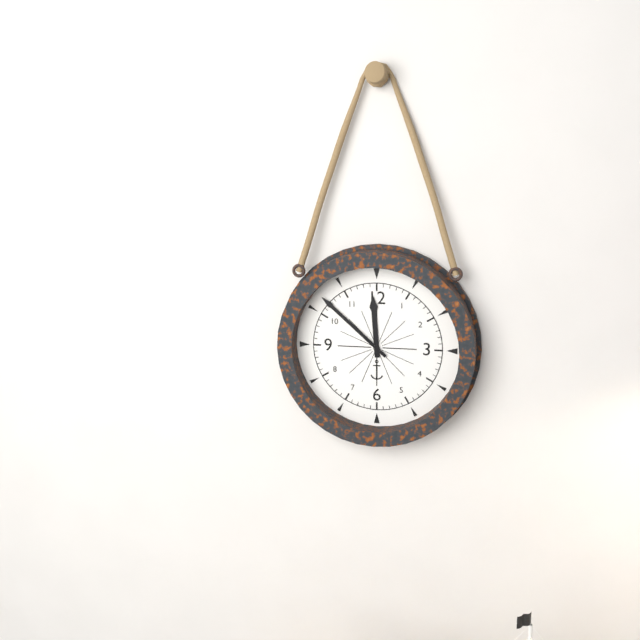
11:52
